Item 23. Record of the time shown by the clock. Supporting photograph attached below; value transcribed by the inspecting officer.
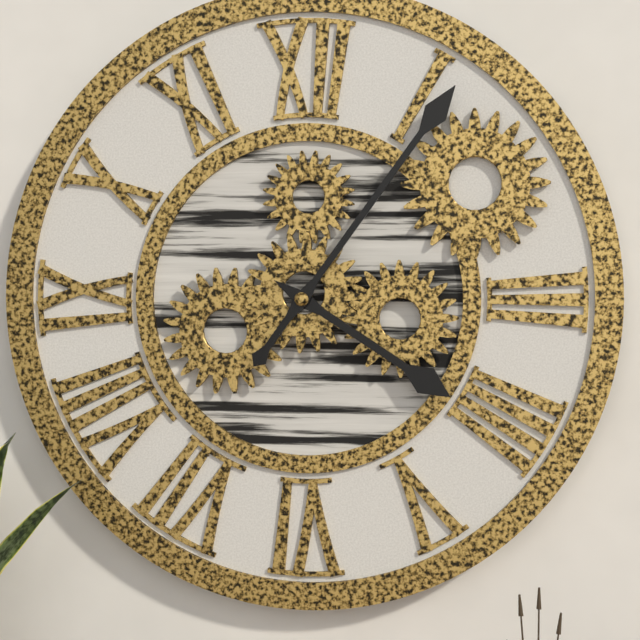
4:06
